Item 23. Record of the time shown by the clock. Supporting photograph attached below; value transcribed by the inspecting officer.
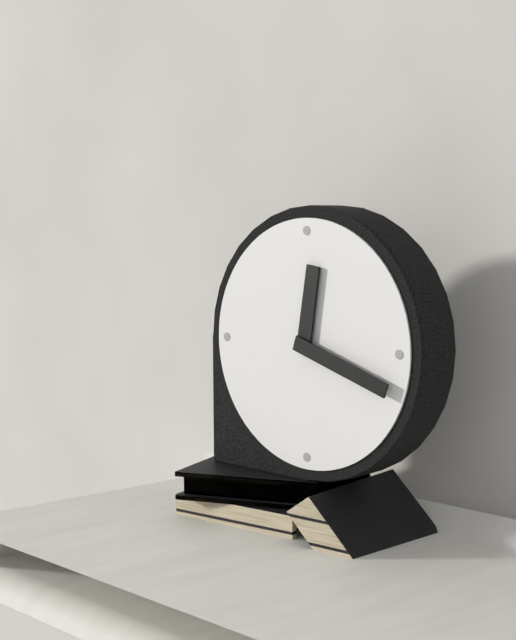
12:18
